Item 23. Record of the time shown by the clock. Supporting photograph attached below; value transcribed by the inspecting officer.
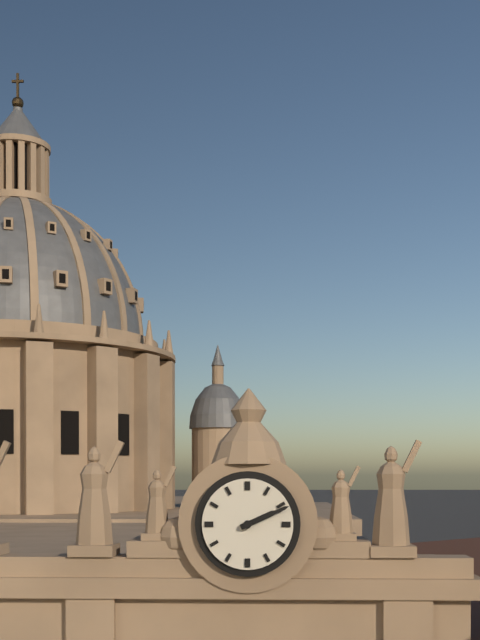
2:11
